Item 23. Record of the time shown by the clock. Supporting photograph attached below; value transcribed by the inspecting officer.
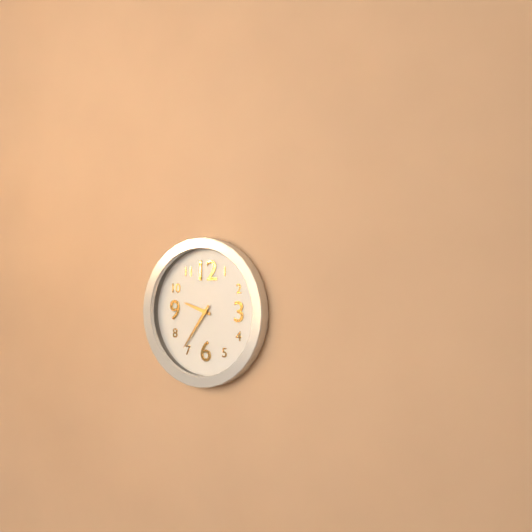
9:36
